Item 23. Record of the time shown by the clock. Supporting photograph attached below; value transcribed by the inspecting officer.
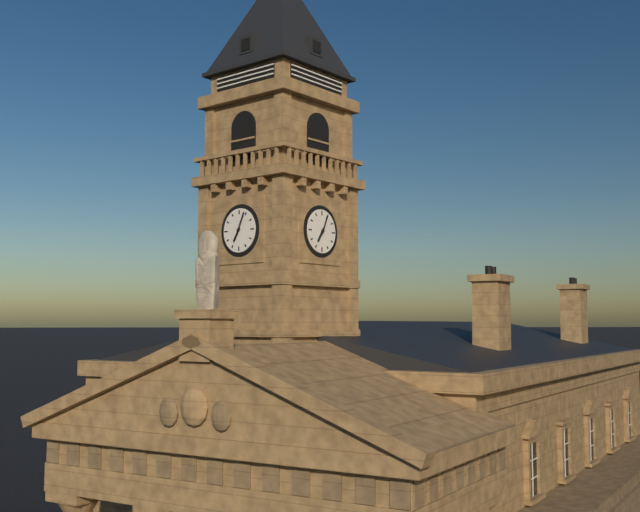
7:04
